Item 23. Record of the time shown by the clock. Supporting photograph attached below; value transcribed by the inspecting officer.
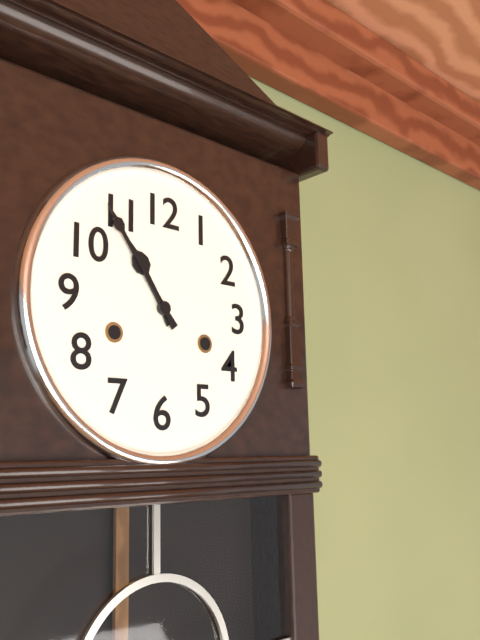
10:54
